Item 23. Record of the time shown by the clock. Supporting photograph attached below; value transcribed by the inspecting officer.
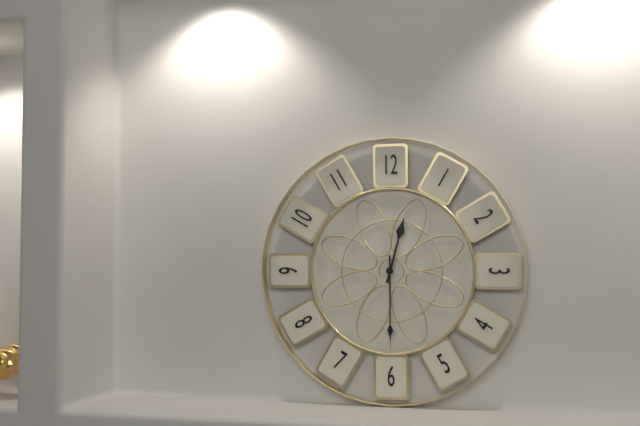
12:30
